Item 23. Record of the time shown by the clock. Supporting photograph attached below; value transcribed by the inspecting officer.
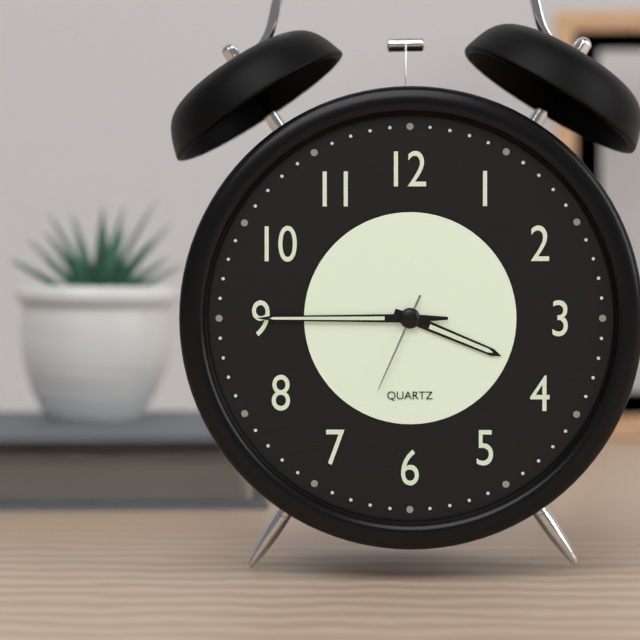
3:45:34
